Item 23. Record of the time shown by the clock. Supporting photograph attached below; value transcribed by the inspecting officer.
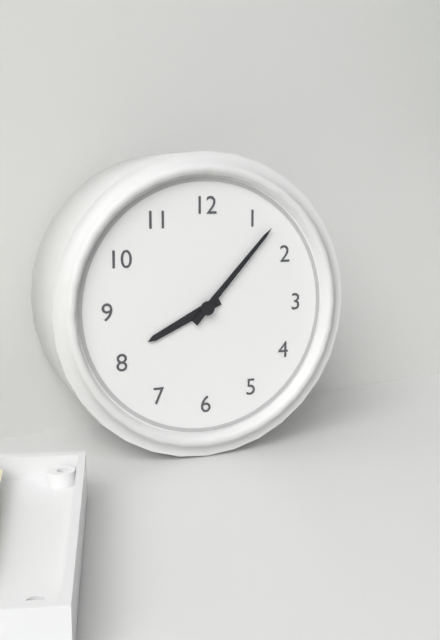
8:07
